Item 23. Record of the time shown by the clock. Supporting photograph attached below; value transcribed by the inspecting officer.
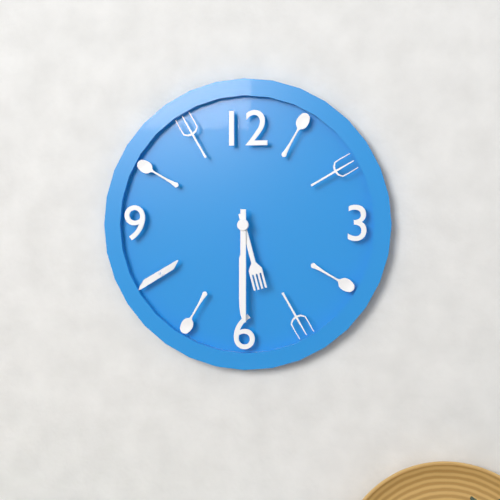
5:30
